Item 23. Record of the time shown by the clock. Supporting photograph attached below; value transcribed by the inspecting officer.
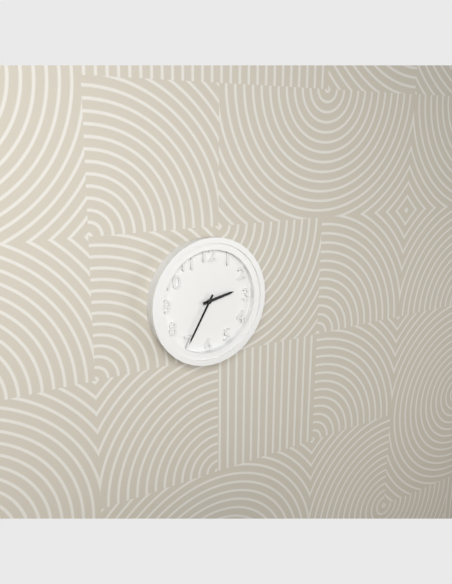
2:35
